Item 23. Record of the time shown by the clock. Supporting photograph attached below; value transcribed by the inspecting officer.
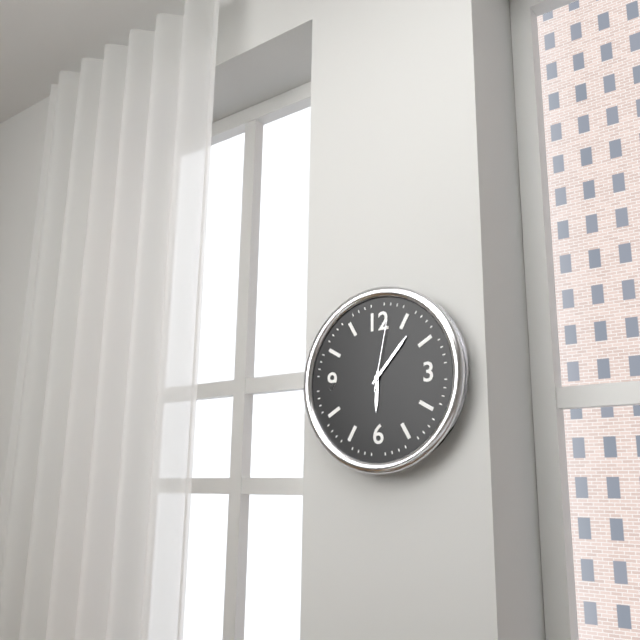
6:07:02
